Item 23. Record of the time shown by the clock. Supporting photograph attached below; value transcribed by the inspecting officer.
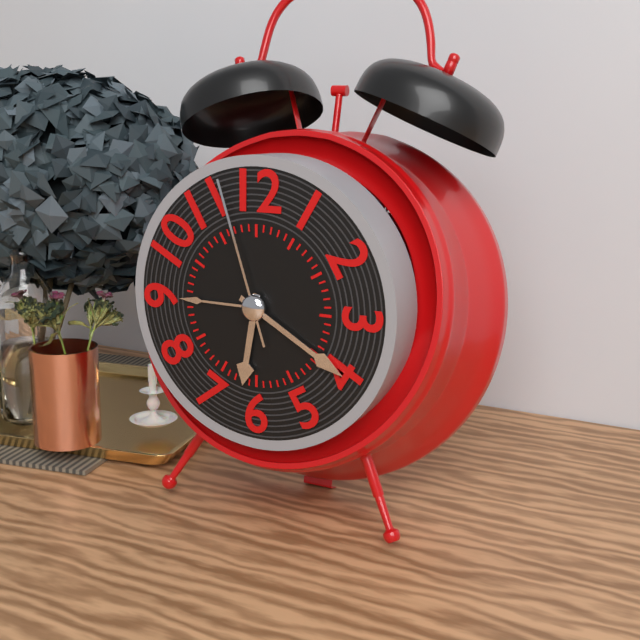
6:20:57
